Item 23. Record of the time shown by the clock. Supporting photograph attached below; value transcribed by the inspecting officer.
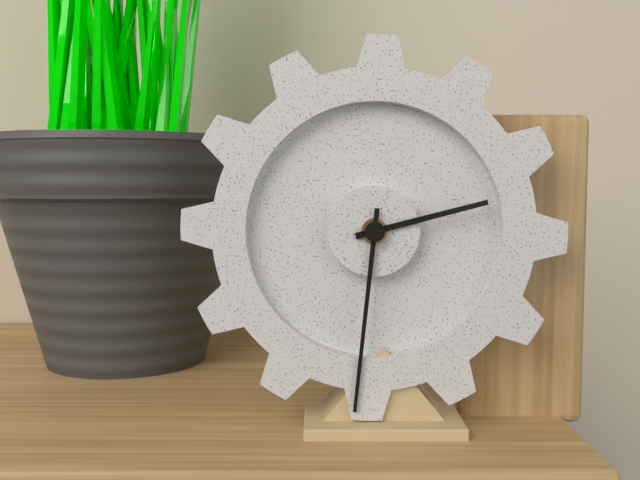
2:31
